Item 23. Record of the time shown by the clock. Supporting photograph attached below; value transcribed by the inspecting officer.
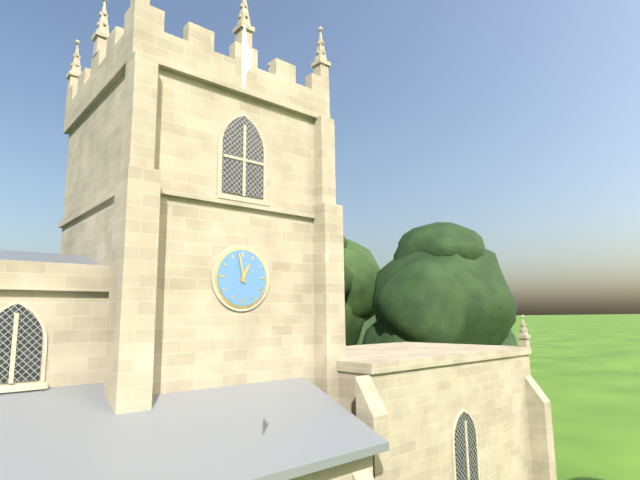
12:58
